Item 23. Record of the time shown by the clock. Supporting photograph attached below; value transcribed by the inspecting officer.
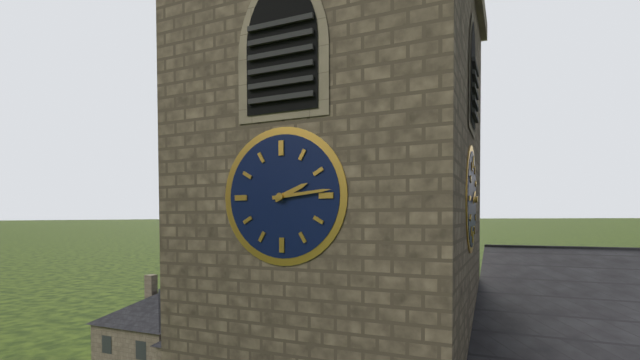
2:14
